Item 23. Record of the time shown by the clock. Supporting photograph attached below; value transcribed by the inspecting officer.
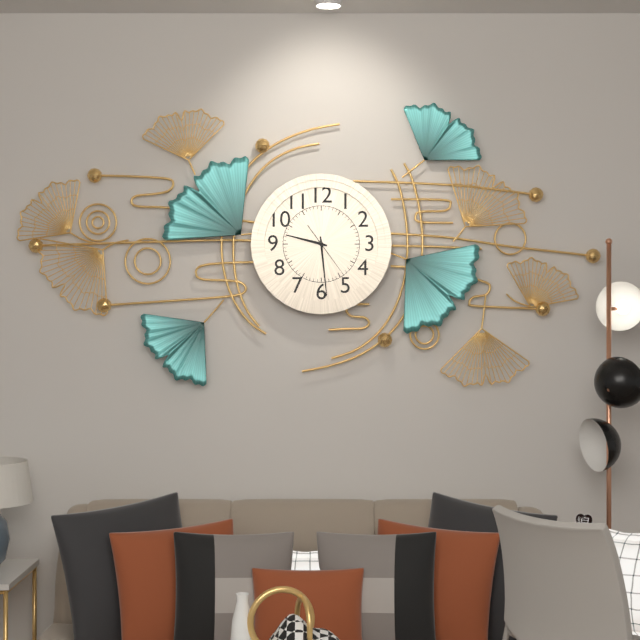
9:29
